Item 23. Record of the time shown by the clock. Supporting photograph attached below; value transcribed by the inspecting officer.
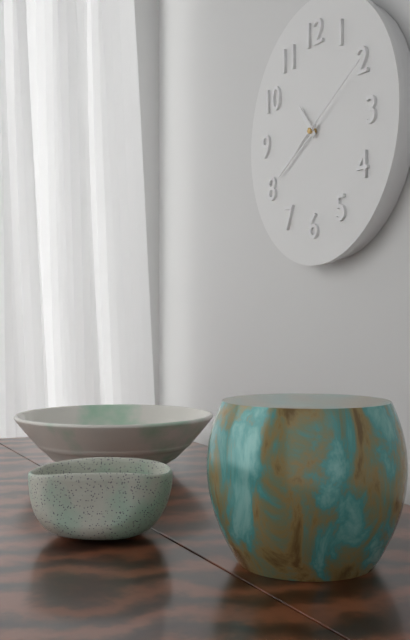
10:40:10
